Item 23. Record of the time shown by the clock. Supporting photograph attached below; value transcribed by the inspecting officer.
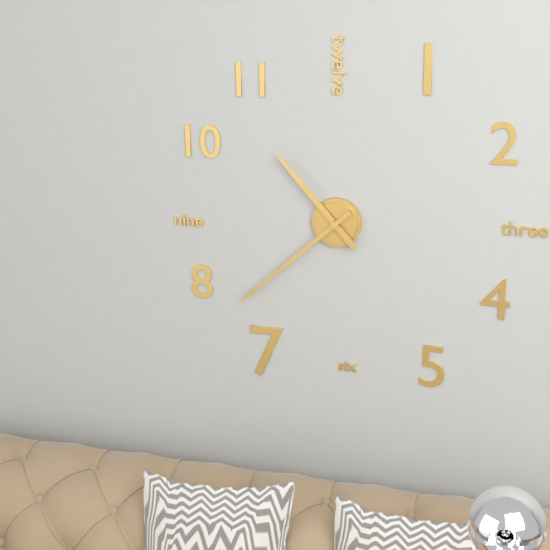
10:38
